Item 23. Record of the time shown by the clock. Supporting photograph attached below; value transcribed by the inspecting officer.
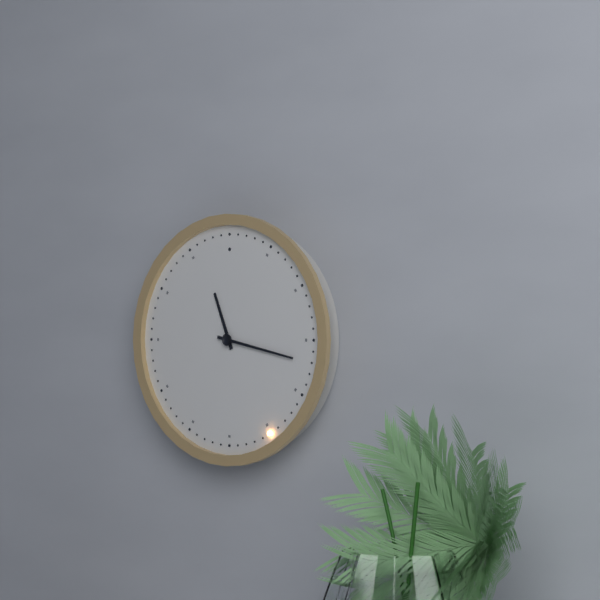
11:17
